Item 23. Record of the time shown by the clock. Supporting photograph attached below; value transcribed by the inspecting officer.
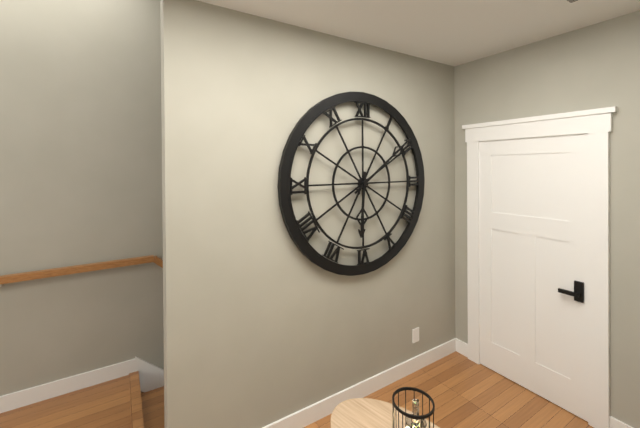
6:09
